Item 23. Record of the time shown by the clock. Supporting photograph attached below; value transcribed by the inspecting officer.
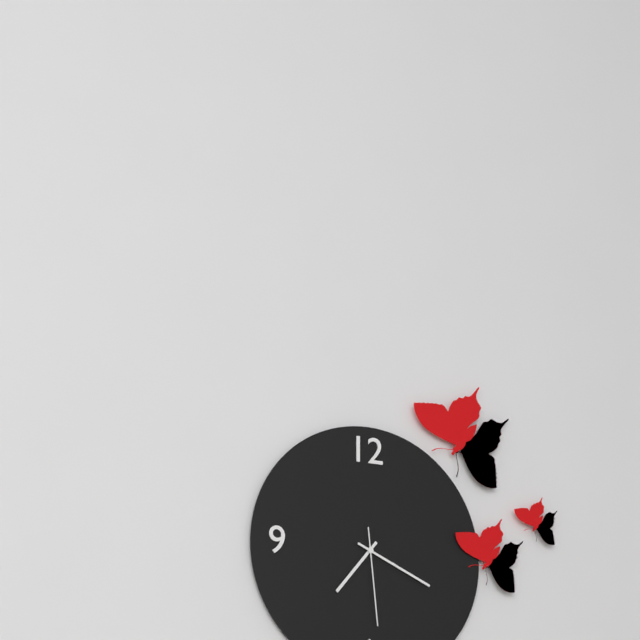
7:19:29
